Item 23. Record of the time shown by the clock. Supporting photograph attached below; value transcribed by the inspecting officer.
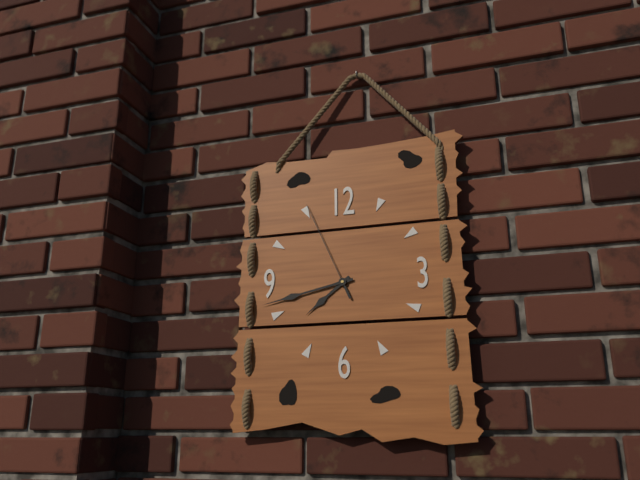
7:43:56
